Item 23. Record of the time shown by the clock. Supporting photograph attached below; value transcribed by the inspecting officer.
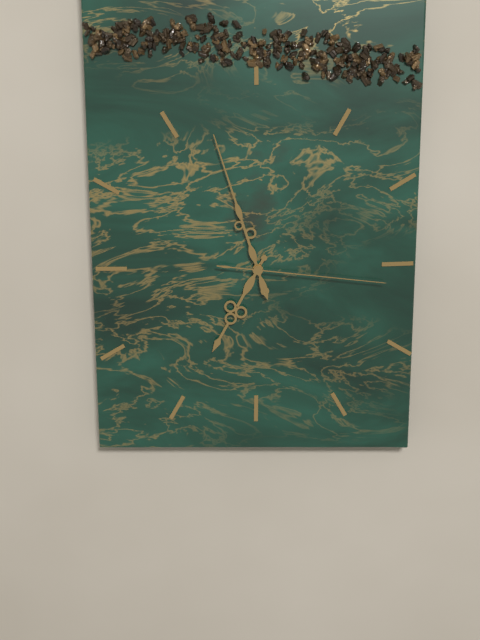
6:57:16
